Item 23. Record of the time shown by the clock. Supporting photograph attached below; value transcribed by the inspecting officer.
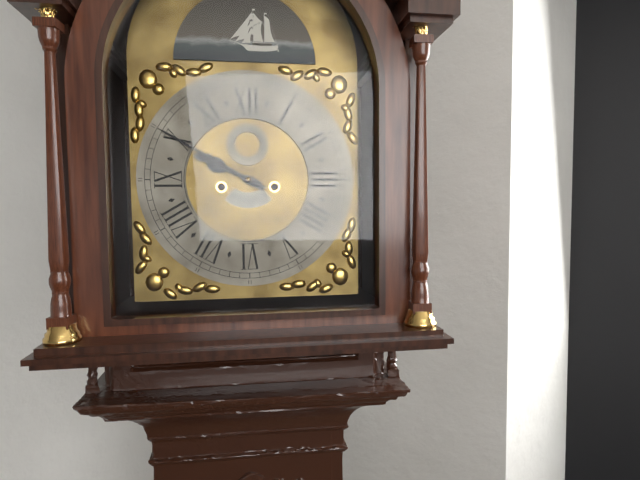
9:50
